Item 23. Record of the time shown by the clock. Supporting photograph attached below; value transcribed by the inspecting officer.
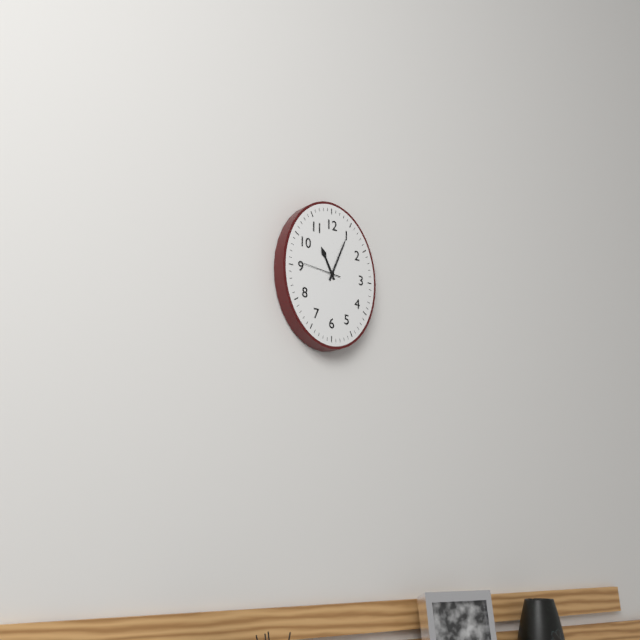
11:04
